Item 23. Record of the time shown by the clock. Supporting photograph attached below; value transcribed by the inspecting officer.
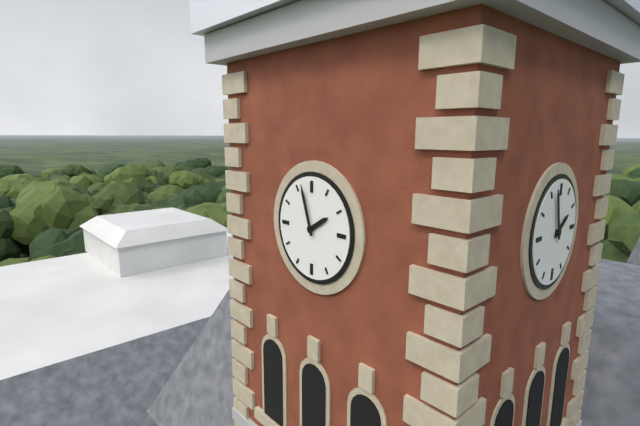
1:57
